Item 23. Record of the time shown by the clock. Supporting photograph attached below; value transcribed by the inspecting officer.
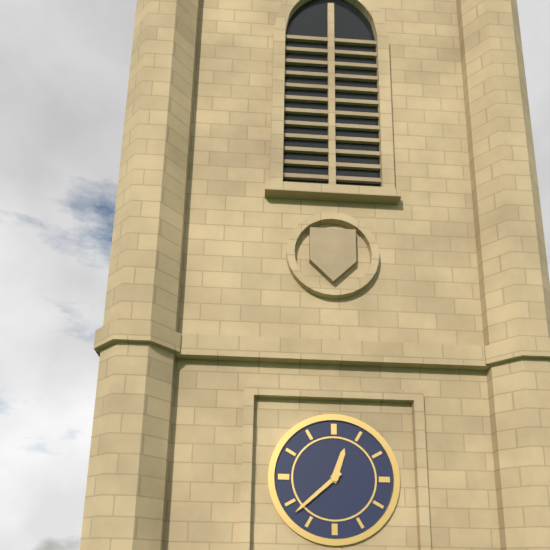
12:38
